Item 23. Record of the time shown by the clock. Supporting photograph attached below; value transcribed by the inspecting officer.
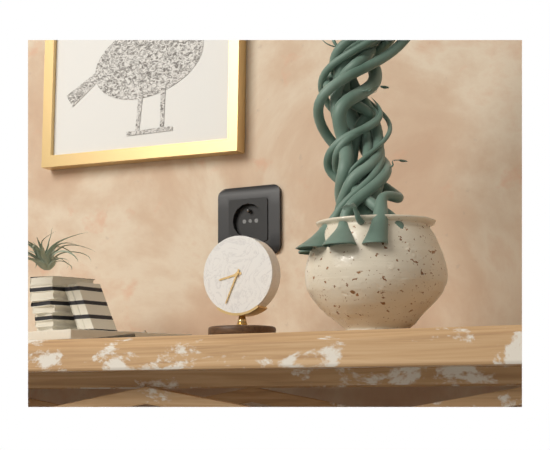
8:34
